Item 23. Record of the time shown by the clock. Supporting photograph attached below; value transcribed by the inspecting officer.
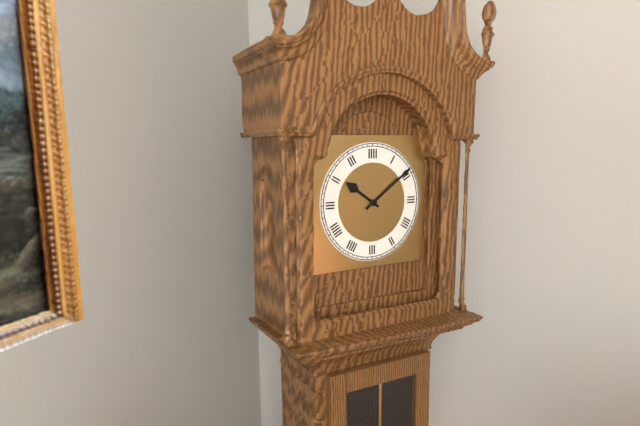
10:09
